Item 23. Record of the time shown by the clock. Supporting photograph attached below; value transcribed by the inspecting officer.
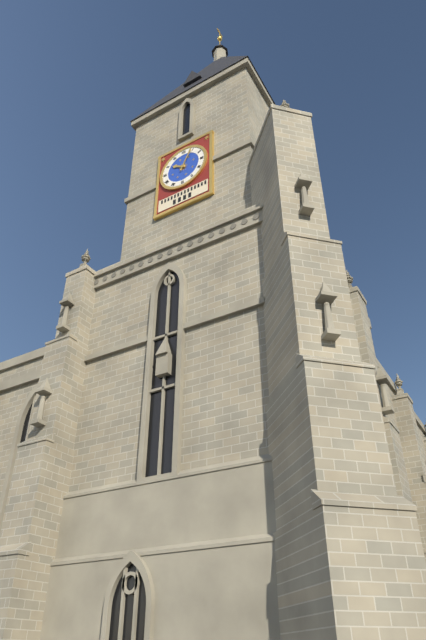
10:04
